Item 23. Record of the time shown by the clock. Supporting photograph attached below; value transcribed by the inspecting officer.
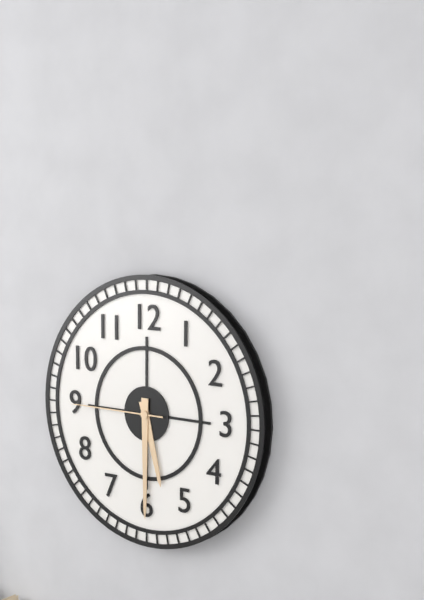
5:30:45
